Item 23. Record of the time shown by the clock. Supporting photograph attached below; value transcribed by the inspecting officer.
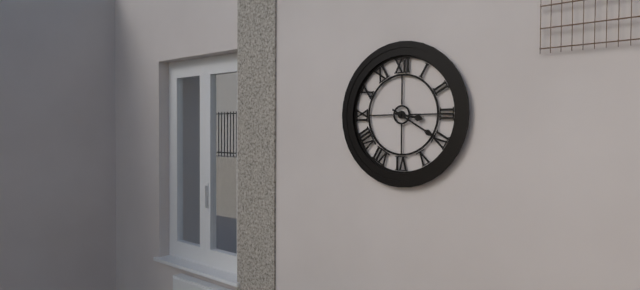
3:20
